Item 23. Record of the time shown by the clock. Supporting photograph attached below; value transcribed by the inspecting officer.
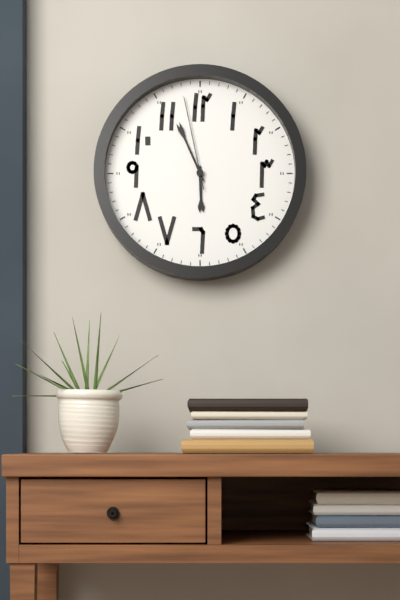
5:56:58
